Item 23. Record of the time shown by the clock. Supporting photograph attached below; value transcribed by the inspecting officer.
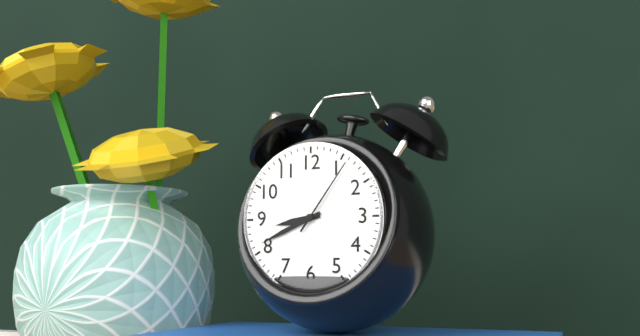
8:41:06
